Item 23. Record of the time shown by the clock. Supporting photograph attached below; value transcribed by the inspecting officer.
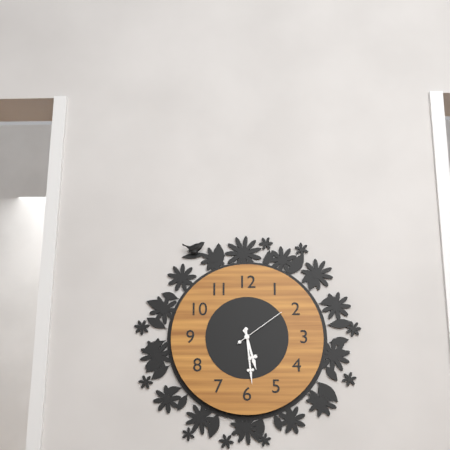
5:29:09
